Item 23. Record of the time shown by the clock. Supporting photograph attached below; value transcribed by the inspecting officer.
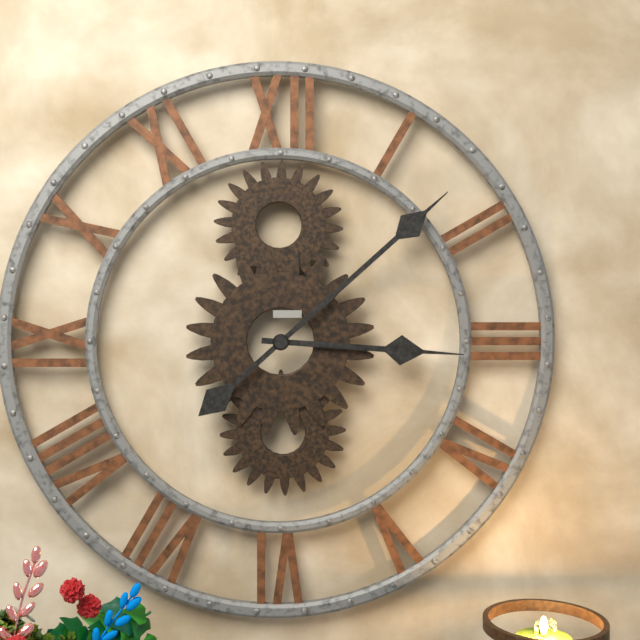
3:08
